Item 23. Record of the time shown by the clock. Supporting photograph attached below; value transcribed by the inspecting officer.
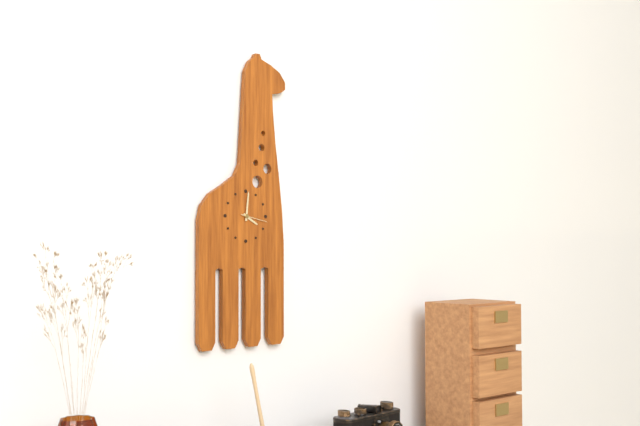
4:01
